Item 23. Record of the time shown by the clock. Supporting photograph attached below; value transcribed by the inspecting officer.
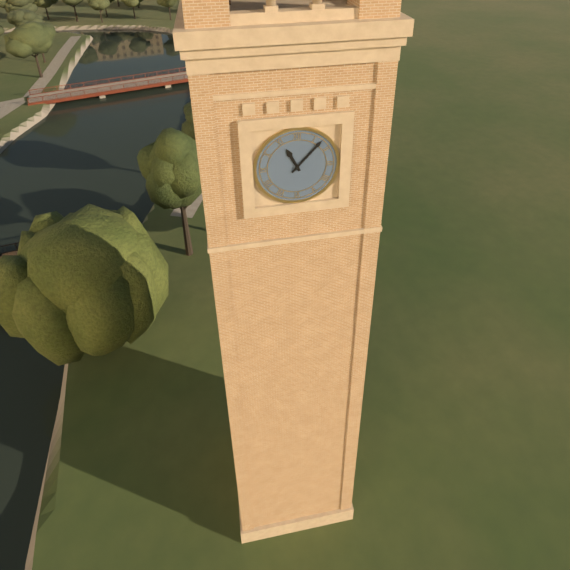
11:07
